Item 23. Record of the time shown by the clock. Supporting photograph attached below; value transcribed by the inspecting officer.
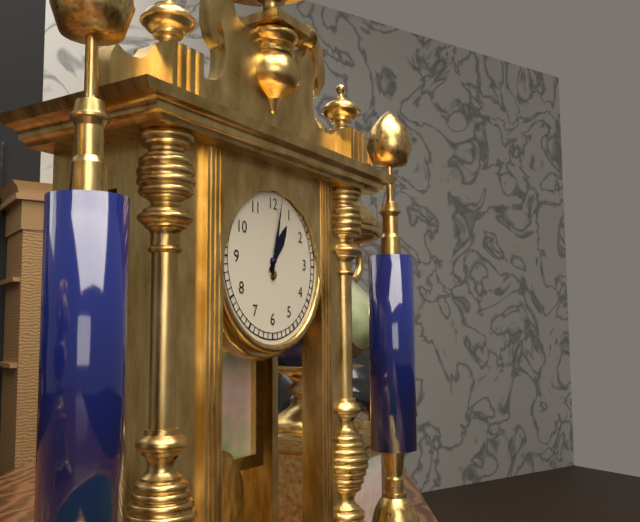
1:02
